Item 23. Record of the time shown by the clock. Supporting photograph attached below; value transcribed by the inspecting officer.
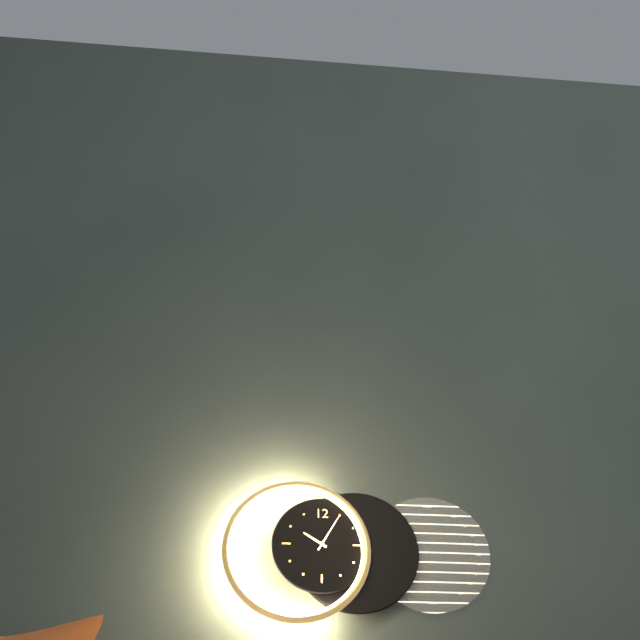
10:05
